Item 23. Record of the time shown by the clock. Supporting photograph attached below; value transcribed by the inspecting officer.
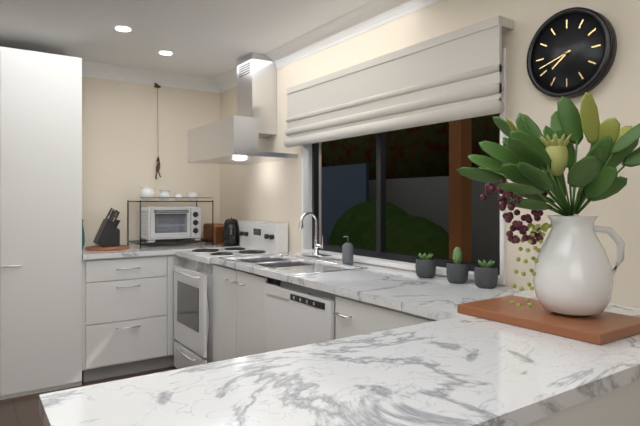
7:42
